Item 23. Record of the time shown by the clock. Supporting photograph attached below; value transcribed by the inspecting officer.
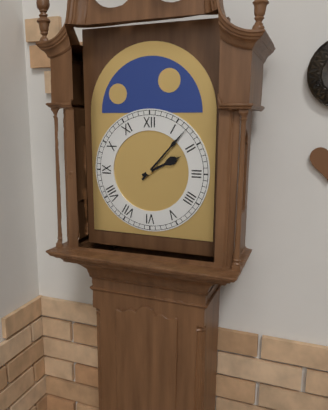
2:07
